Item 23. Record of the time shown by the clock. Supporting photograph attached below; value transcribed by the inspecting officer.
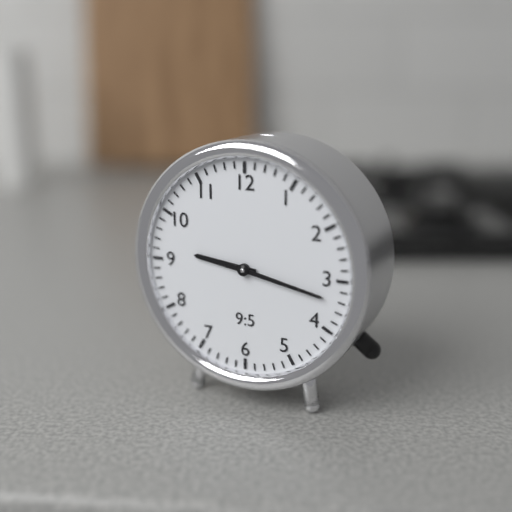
9:17
